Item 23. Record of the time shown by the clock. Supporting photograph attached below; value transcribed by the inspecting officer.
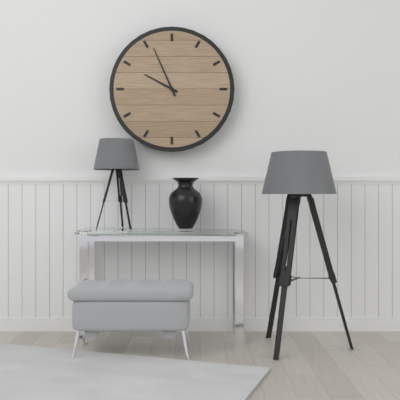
9:56
